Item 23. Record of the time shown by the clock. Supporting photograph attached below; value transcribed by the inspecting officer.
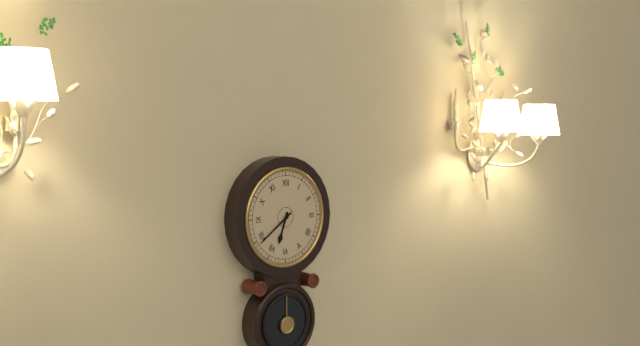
6:39
